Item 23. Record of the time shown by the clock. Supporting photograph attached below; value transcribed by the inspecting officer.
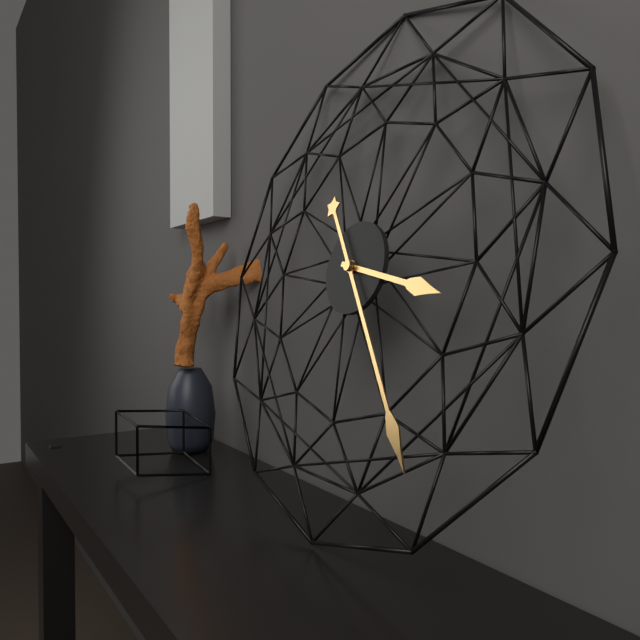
3:24
